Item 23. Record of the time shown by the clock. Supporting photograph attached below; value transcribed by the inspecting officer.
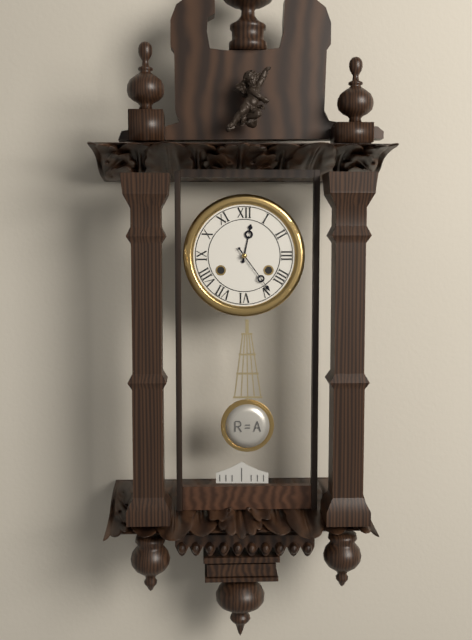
12:24
